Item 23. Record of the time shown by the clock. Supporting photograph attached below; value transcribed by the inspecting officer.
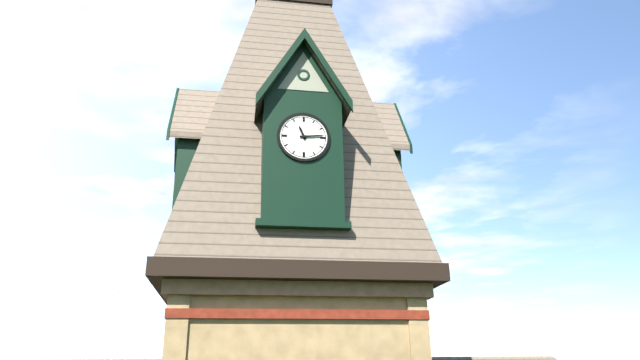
11:14
